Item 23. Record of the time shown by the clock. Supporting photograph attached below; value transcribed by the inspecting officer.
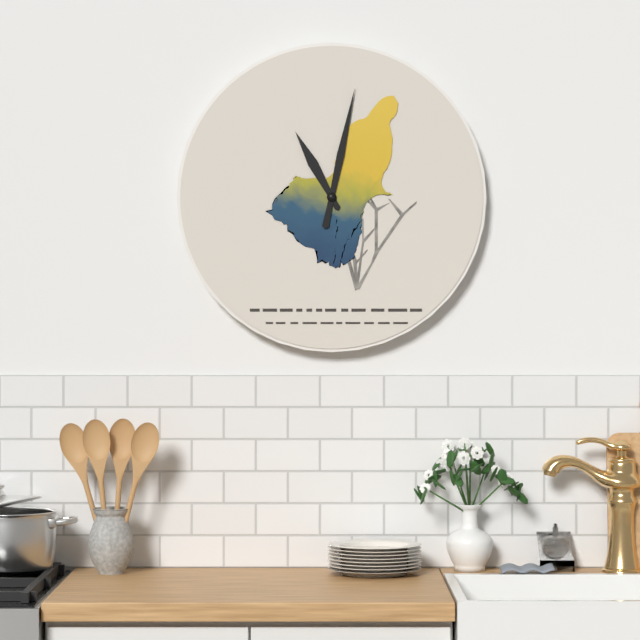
11:02
